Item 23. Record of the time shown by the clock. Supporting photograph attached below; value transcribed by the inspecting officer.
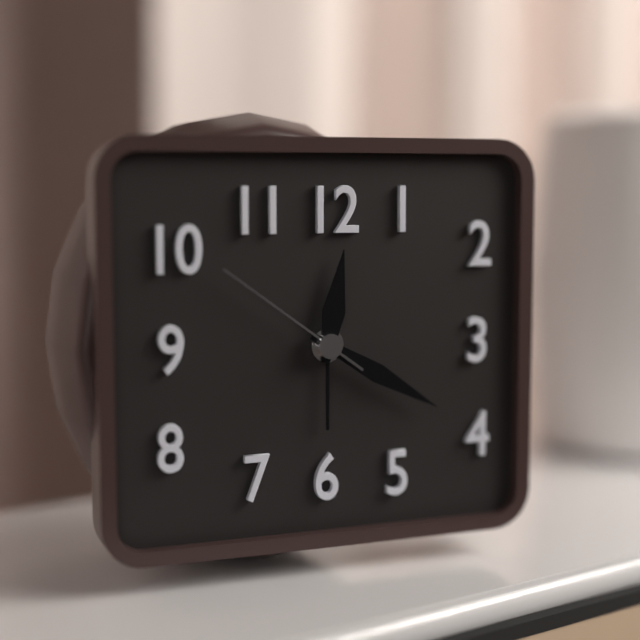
12:20:51
